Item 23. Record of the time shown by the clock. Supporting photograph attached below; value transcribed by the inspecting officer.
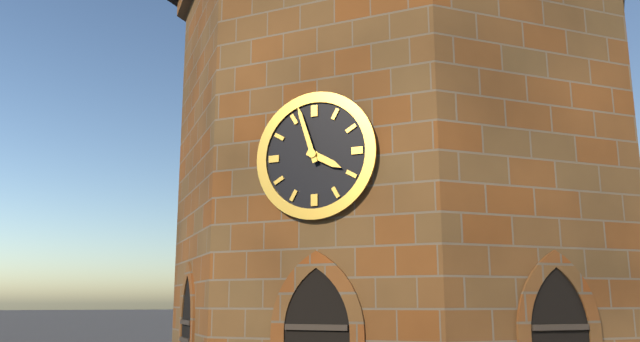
3:57
